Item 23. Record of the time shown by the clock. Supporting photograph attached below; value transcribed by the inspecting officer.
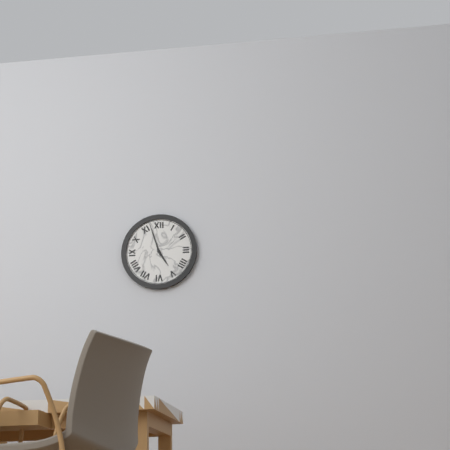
4:57
